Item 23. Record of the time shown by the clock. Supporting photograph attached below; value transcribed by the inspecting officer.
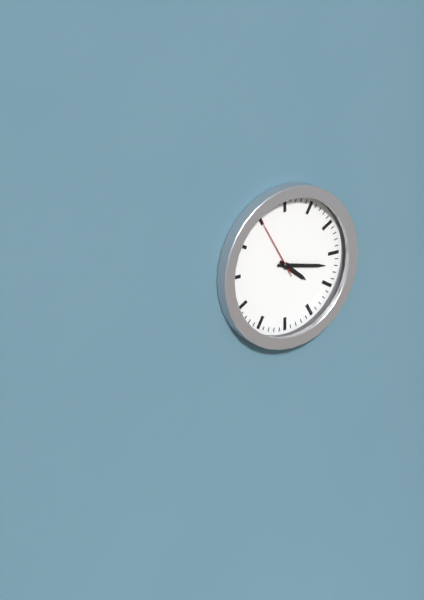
4:17:55
